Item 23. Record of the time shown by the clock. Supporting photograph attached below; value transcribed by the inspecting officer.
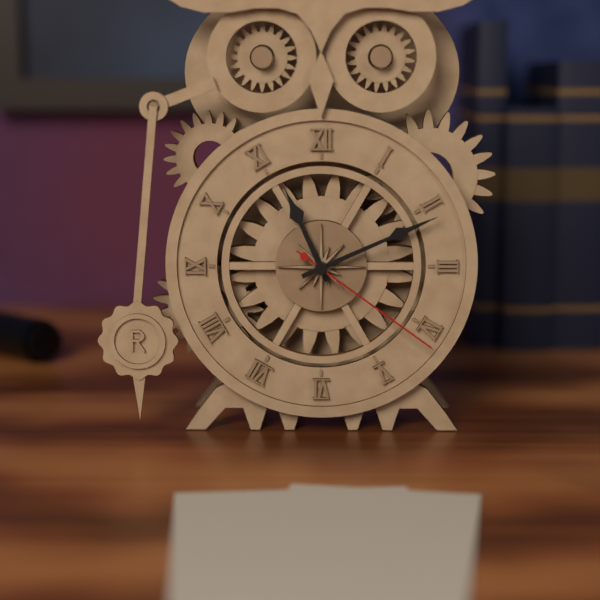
11:11:21
